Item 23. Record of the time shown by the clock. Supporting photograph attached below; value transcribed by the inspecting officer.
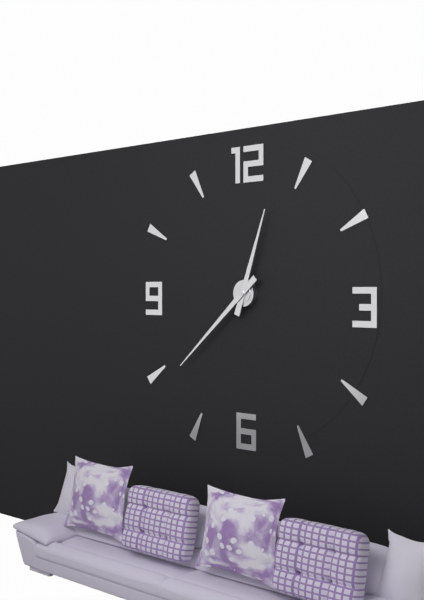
12:38
